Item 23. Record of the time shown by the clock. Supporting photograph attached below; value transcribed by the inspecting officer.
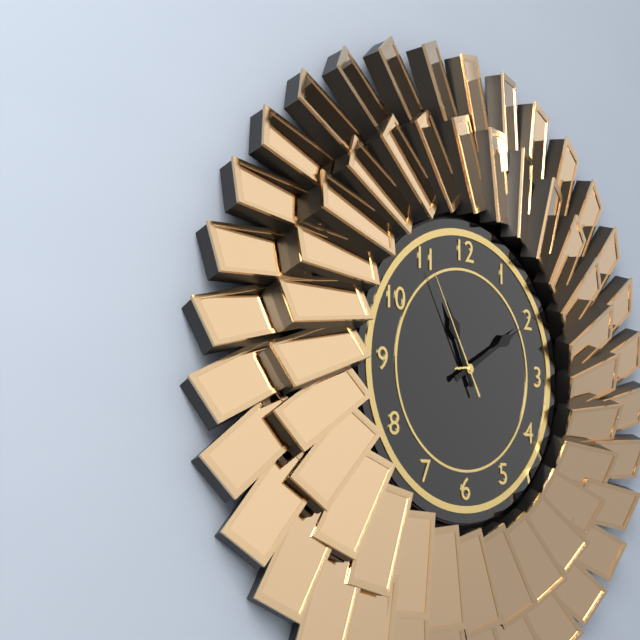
11:10:55
